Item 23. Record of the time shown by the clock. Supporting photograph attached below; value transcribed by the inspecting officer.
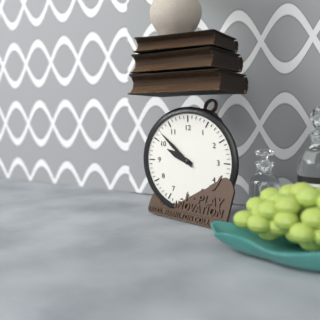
9:52
